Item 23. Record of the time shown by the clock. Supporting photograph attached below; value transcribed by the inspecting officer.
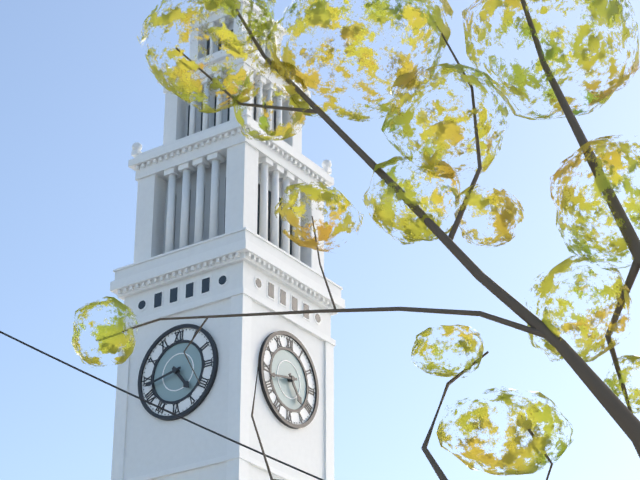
4:43
